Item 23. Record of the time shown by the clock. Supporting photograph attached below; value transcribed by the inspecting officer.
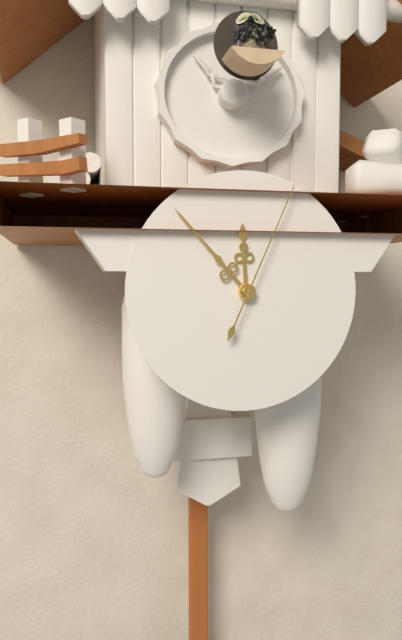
11:53:04
